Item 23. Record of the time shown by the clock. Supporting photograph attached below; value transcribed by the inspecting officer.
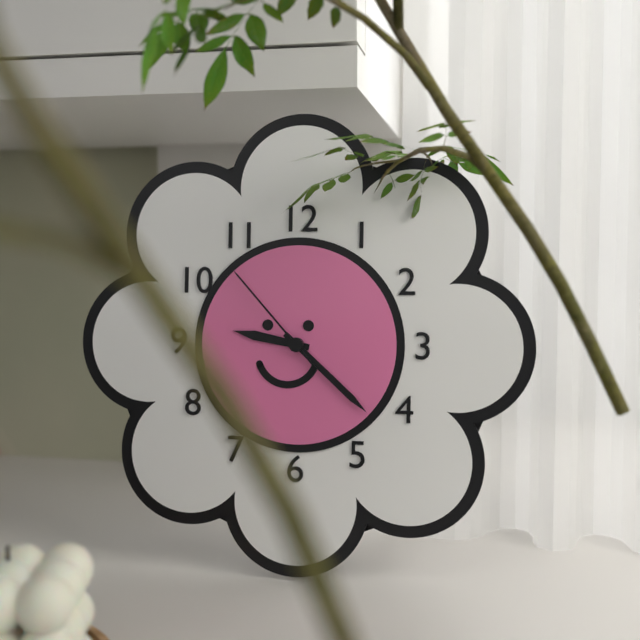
9:22:53
